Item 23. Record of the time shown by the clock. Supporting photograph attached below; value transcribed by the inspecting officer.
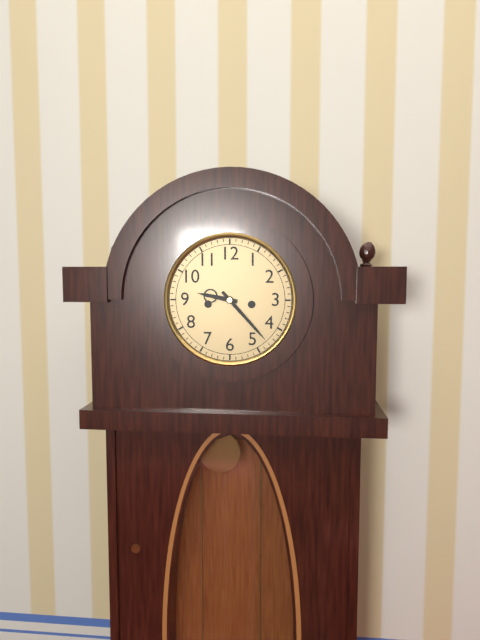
9:23
